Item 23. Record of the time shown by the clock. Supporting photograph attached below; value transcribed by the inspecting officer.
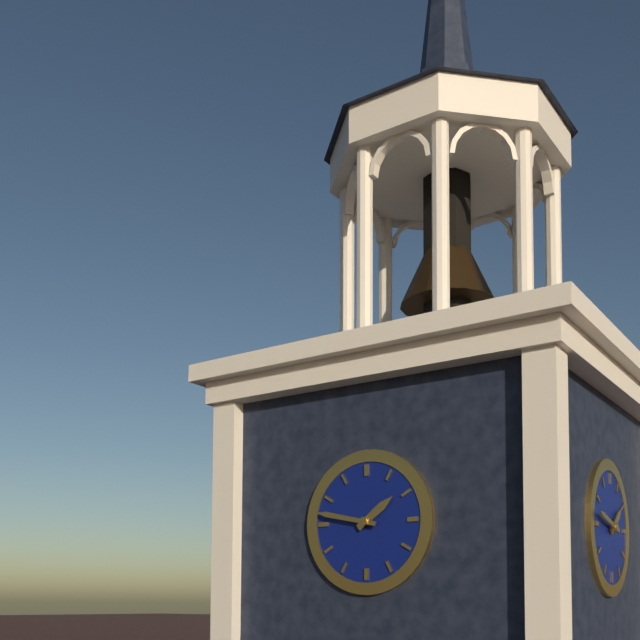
1:47
